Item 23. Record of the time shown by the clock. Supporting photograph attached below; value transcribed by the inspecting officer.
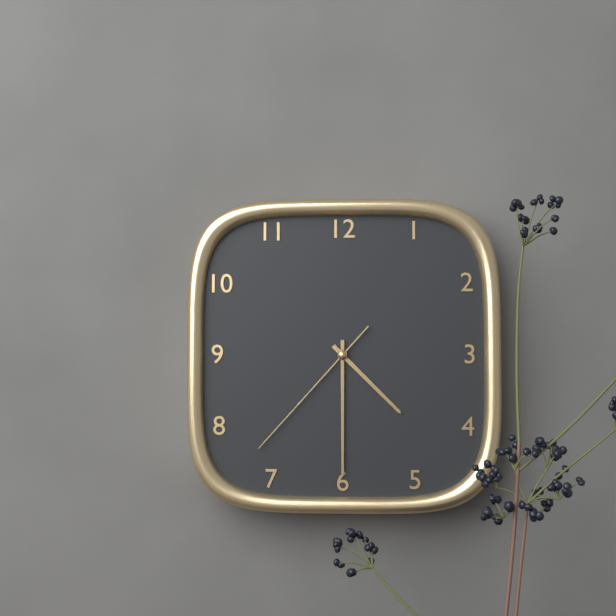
4:30:37
